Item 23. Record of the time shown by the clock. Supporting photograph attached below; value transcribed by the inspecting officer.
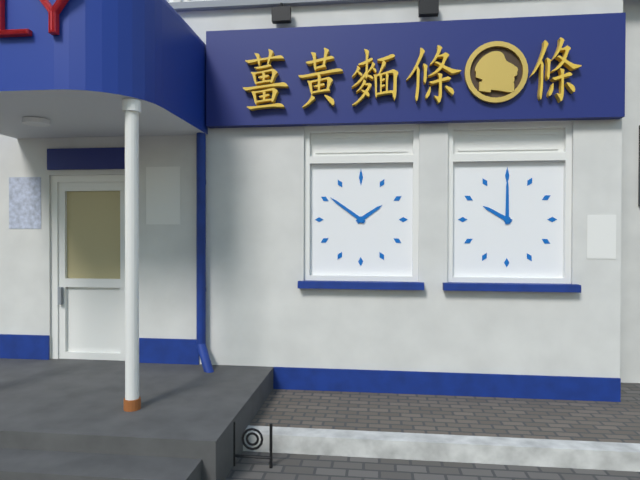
1:51
